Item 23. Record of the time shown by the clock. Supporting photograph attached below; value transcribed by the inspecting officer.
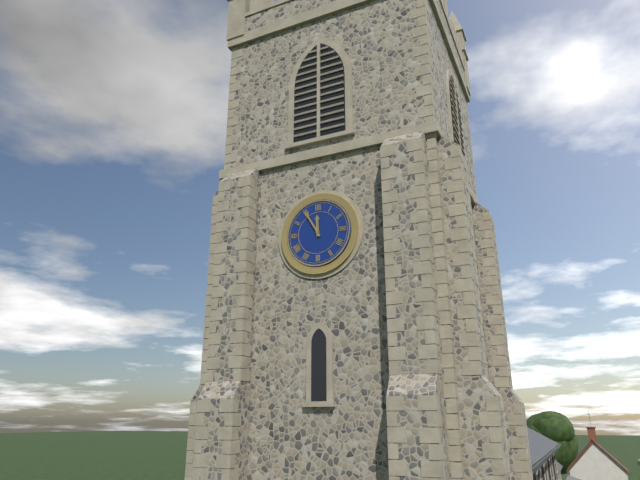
11:55
